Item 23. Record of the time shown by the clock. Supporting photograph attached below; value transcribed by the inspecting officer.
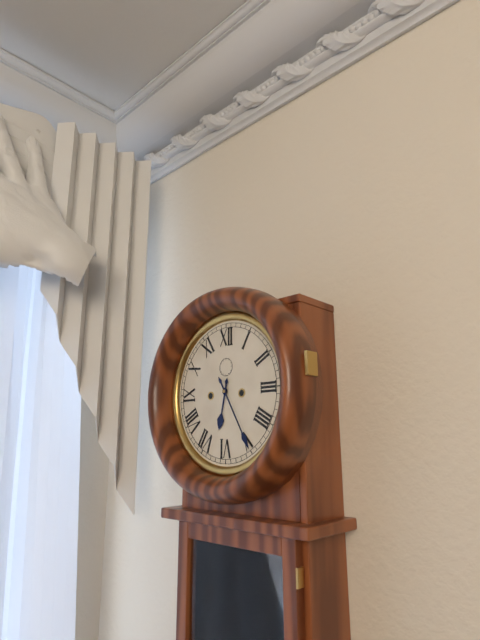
6:25
